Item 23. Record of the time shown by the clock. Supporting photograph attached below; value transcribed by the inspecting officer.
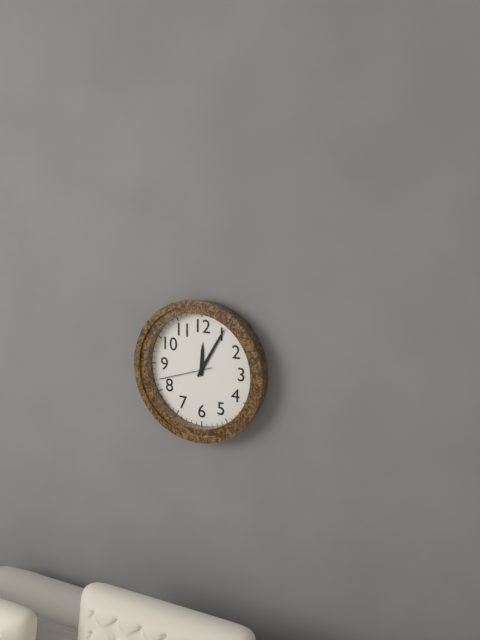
12:05:42
